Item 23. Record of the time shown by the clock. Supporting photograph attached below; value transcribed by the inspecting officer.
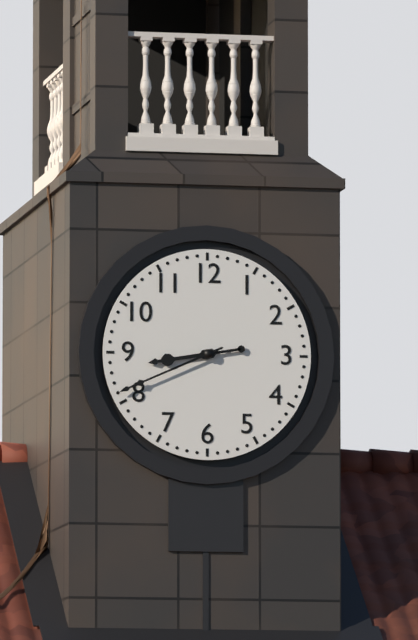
8:41
